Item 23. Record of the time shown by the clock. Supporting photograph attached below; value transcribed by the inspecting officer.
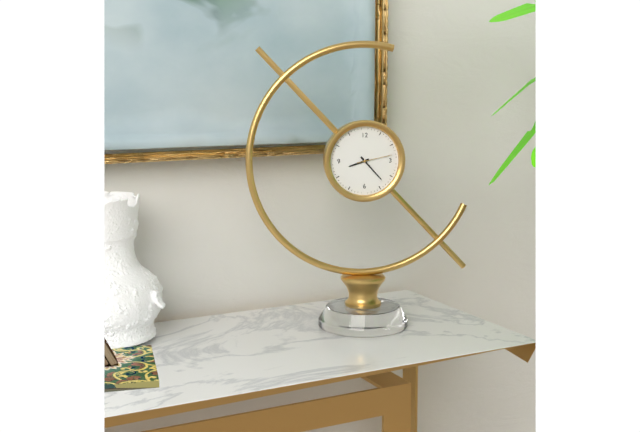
8:23
